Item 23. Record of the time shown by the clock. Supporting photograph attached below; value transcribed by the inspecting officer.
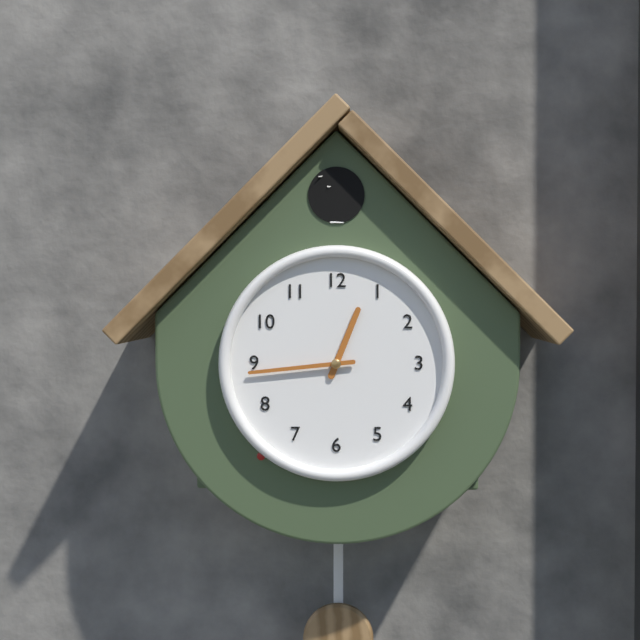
12:44
